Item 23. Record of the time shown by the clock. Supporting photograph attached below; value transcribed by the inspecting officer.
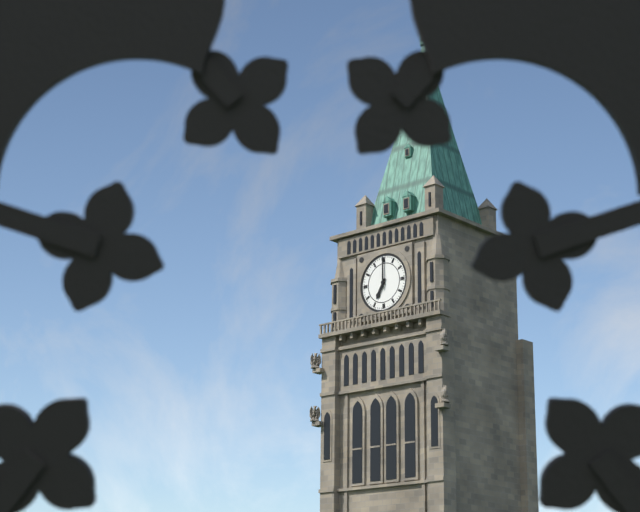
7:00
